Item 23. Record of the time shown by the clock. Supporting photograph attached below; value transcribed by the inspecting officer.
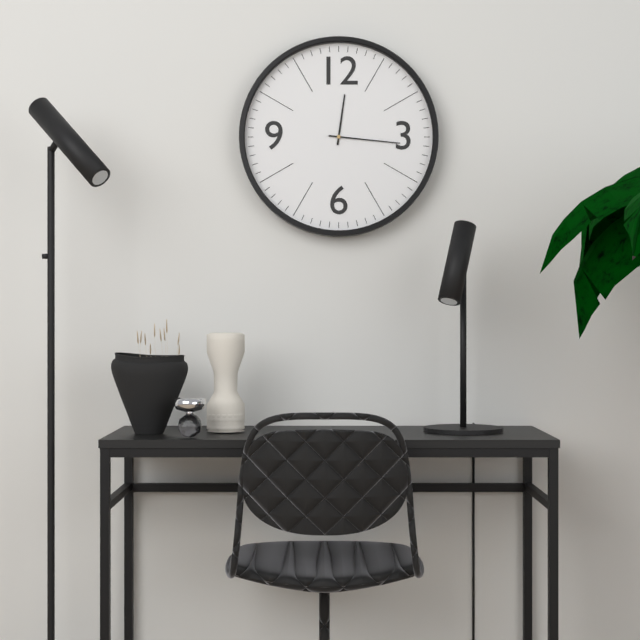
12:16
